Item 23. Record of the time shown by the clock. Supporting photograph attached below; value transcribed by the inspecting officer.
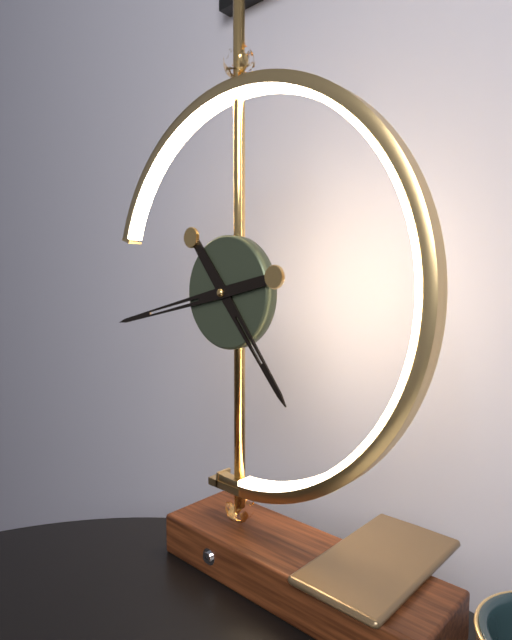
4:43
